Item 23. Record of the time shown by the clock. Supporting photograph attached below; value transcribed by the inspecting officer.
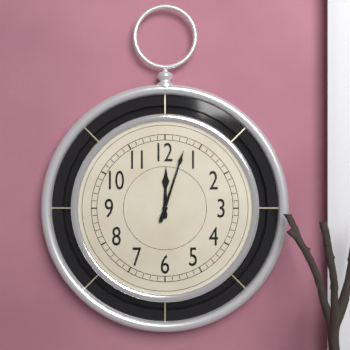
12:03
